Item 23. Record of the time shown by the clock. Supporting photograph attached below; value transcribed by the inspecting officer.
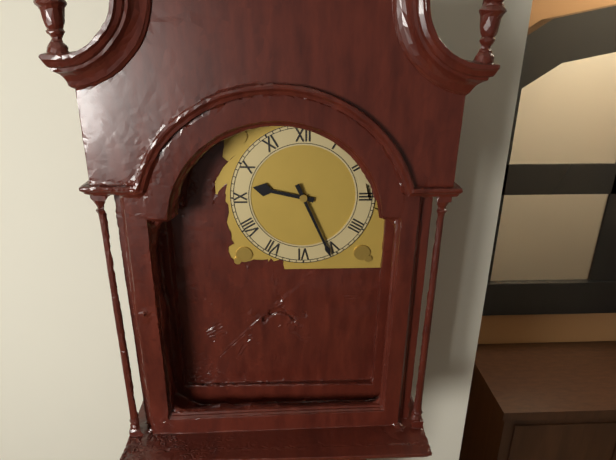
9:26
